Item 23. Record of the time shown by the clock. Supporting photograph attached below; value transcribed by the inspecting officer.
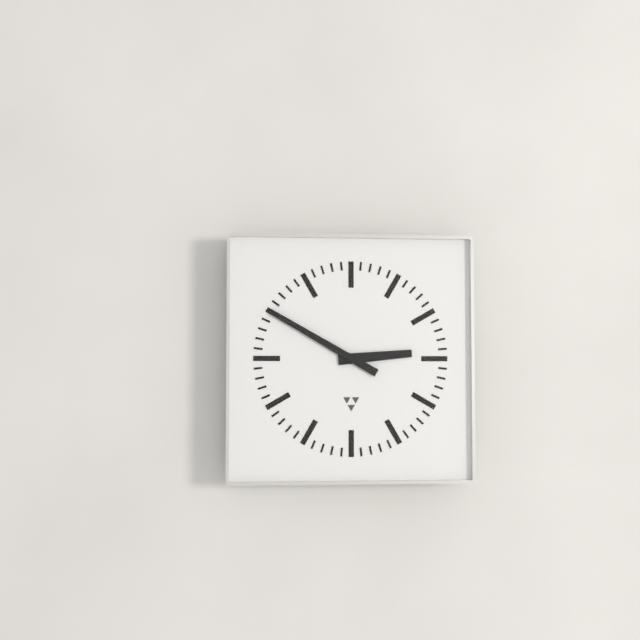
2:50
